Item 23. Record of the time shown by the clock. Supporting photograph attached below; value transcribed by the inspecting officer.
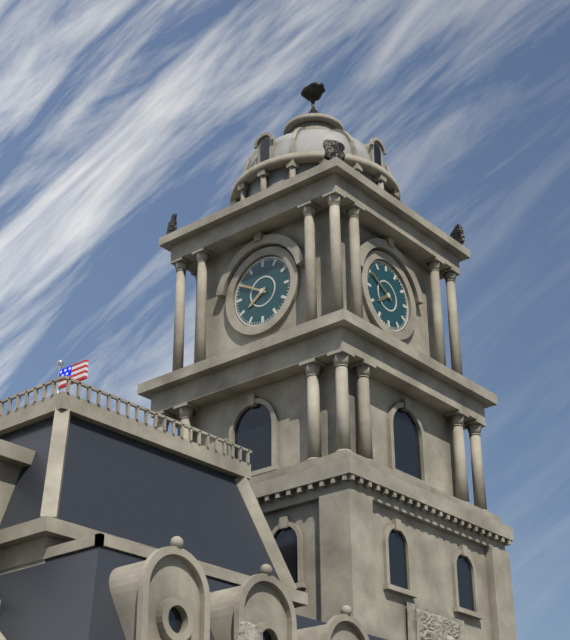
7:50
